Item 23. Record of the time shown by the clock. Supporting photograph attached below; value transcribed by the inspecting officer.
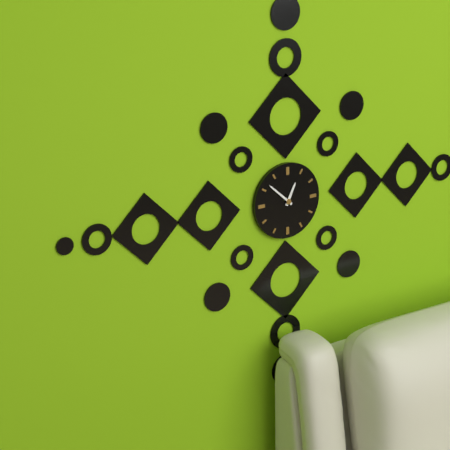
12:52
